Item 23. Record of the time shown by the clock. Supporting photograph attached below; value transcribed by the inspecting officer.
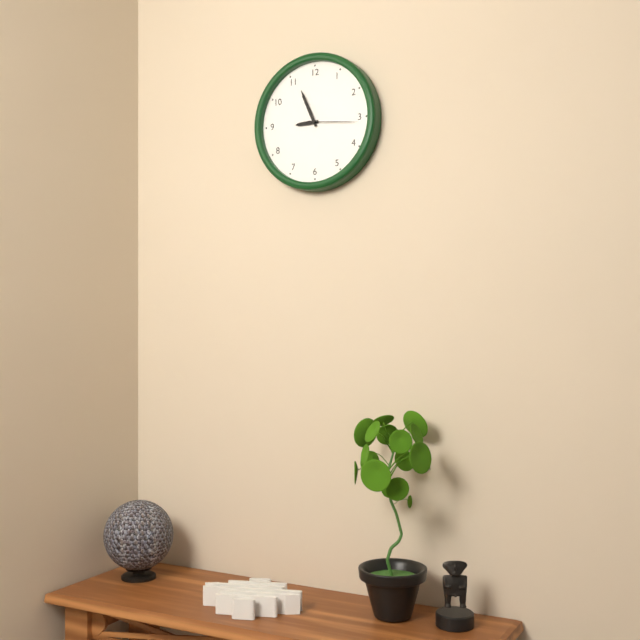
8:56:16
